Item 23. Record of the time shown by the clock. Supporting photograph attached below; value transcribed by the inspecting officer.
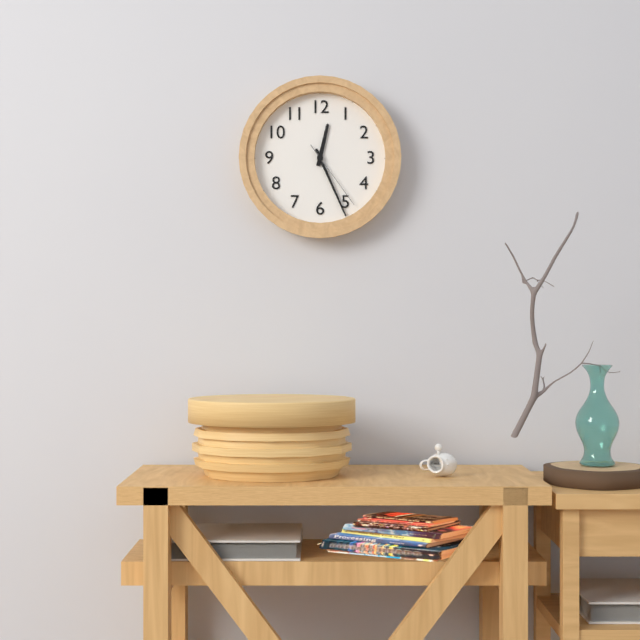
12:26:24
